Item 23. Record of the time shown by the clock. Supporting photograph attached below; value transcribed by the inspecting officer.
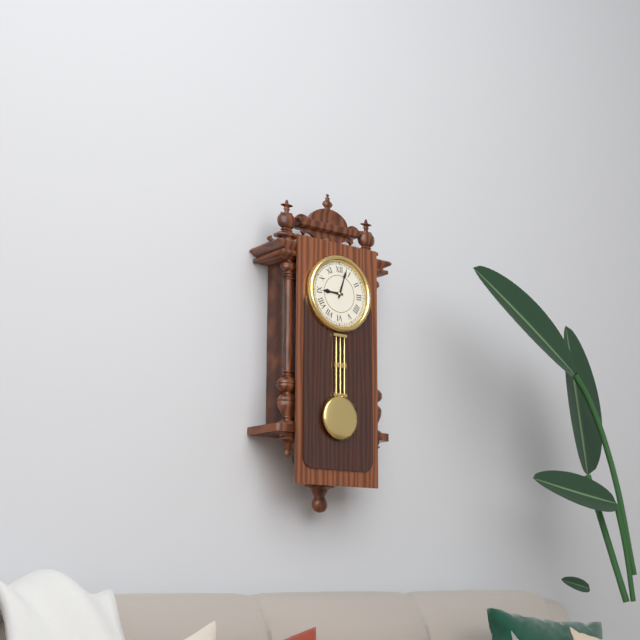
9:03
